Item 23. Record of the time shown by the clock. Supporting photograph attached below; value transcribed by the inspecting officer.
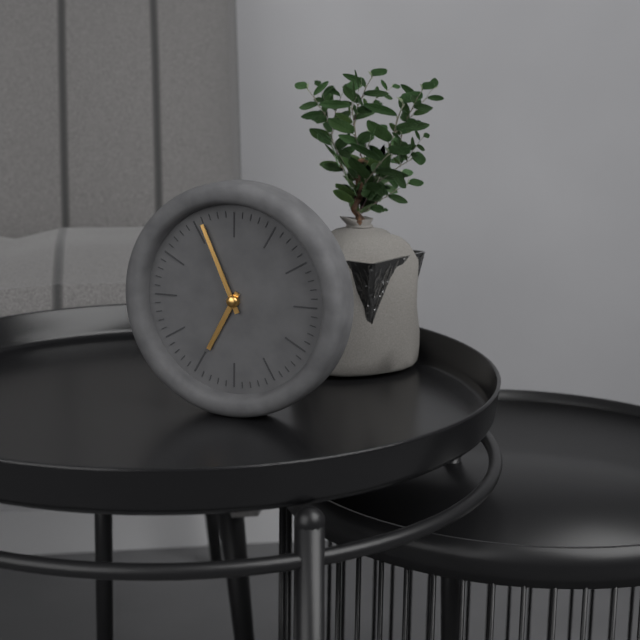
6:56
